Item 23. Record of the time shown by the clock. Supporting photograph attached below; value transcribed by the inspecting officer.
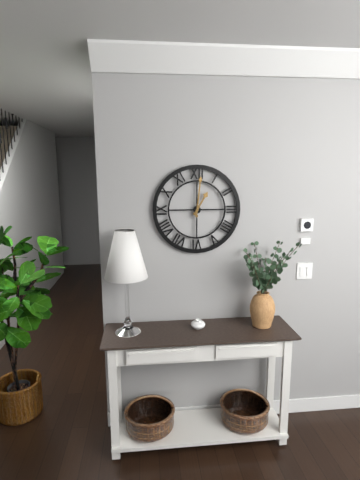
1:01
